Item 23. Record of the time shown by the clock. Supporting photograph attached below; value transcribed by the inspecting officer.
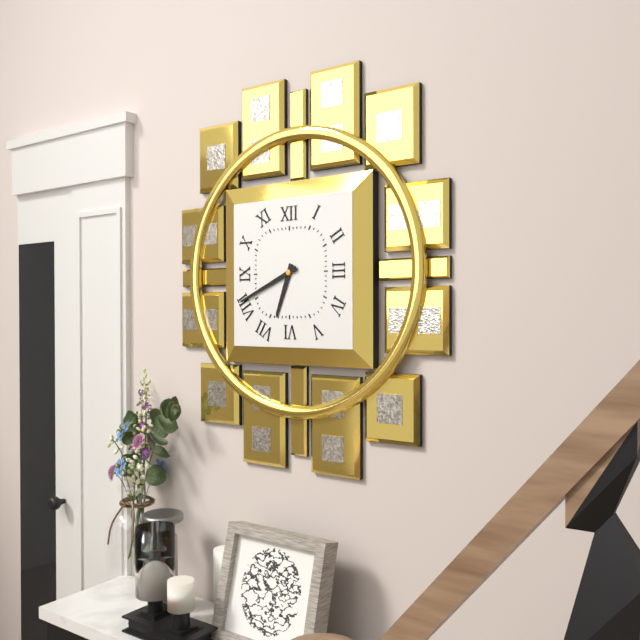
6:41
